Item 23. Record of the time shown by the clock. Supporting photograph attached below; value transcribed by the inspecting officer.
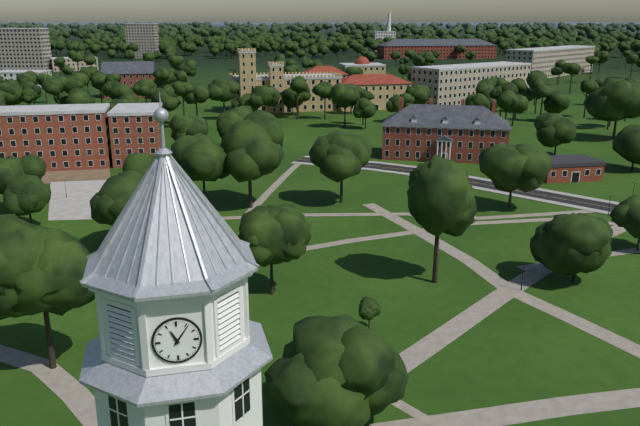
11:06
